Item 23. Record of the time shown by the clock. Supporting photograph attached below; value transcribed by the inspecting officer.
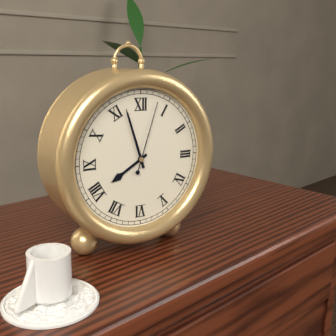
7:57:03
